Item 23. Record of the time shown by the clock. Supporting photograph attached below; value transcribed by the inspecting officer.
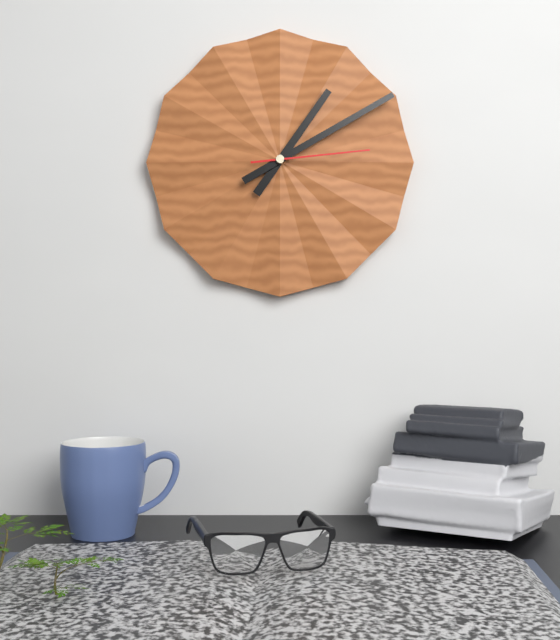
1:10:14
